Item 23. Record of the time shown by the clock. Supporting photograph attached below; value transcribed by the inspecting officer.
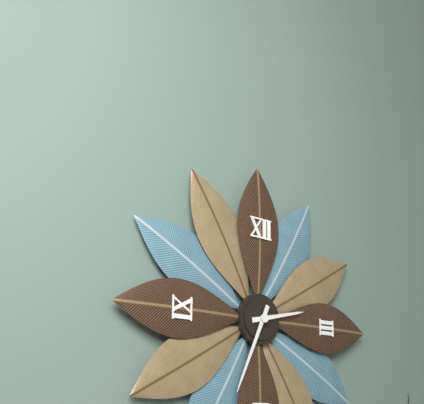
2:34
